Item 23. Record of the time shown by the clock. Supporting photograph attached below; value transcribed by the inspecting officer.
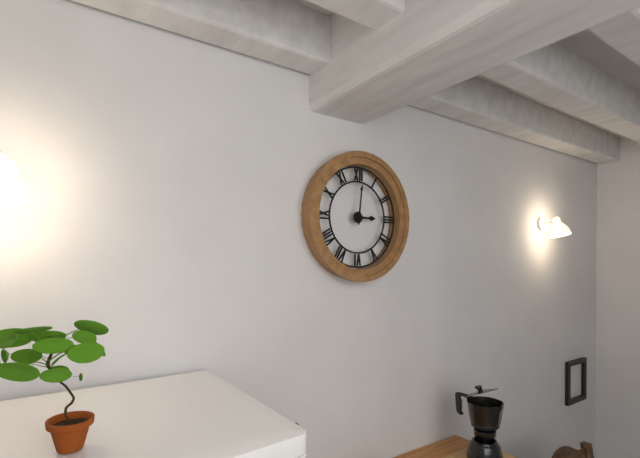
3:01
